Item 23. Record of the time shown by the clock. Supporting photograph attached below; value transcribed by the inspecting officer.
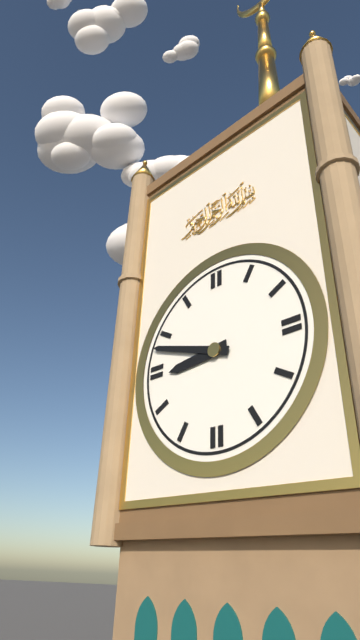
8:48
